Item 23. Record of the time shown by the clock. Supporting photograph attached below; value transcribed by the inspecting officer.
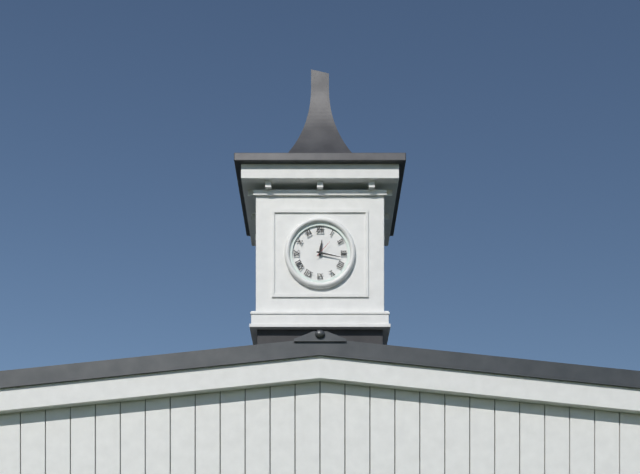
12:17
